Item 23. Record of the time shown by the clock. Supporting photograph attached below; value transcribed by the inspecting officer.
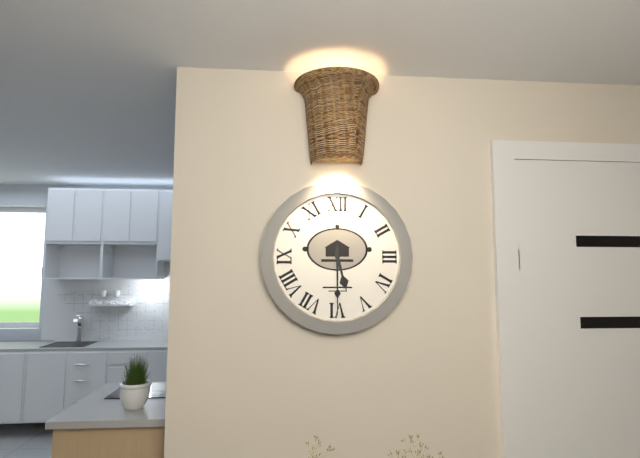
5:30
